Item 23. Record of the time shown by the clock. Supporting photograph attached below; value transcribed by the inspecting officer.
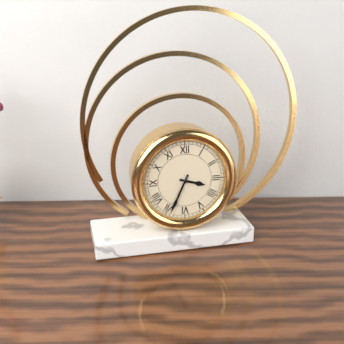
3:34
